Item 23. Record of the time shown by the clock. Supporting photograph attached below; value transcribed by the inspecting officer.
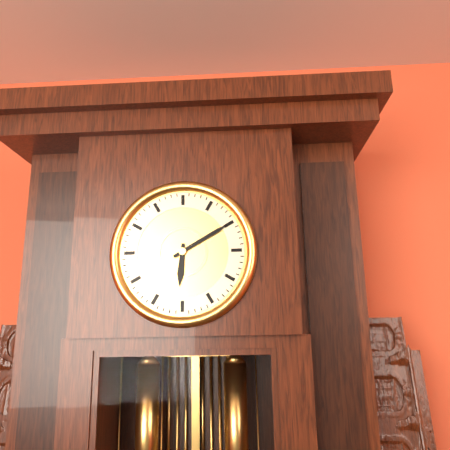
6:10
